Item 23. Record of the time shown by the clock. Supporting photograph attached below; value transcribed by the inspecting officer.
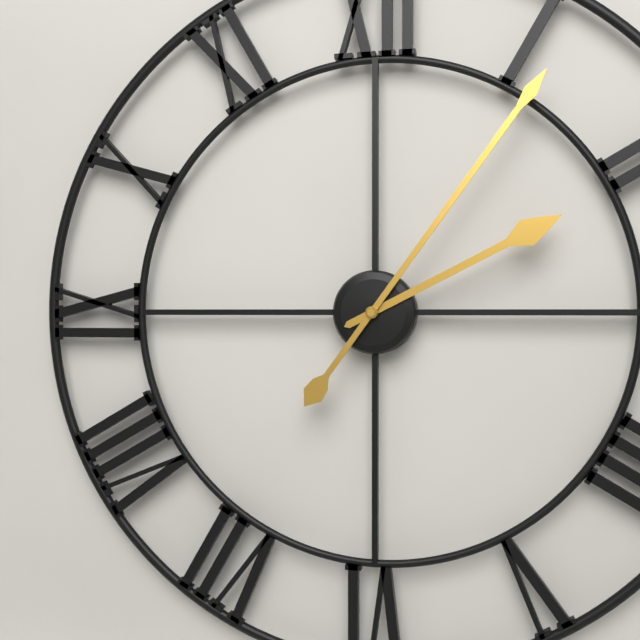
2:06
